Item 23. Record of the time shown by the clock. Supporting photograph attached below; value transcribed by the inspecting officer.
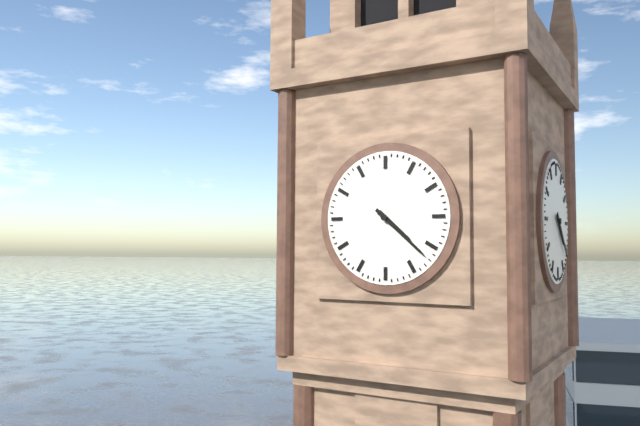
4:22
